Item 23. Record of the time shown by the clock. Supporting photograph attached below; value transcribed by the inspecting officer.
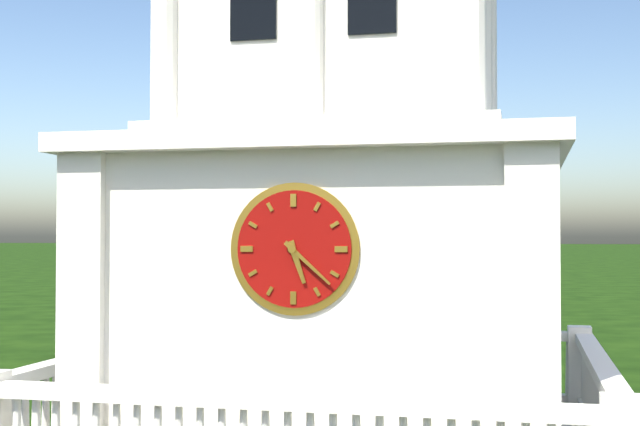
5:22
